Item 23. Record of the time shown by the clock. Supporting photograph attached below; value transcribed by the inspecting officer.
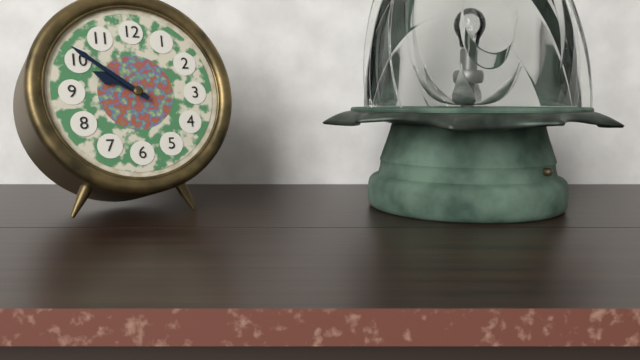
9:51
